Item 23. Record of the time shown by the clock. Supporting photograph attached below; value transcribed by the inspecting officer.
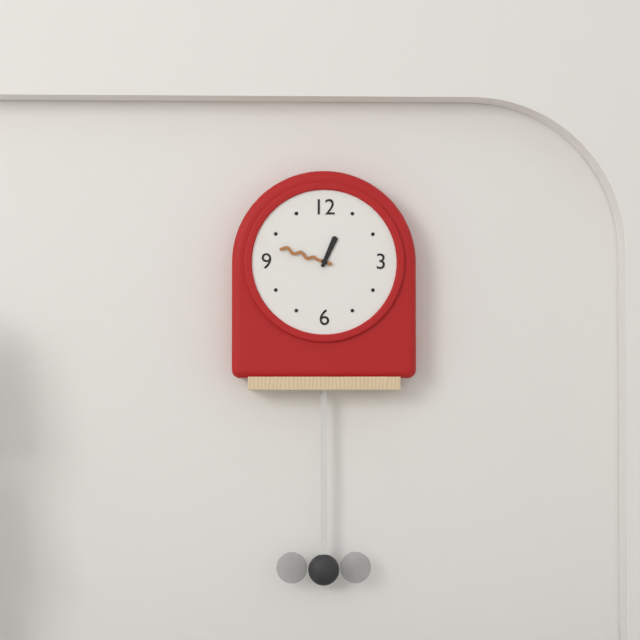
12:48
